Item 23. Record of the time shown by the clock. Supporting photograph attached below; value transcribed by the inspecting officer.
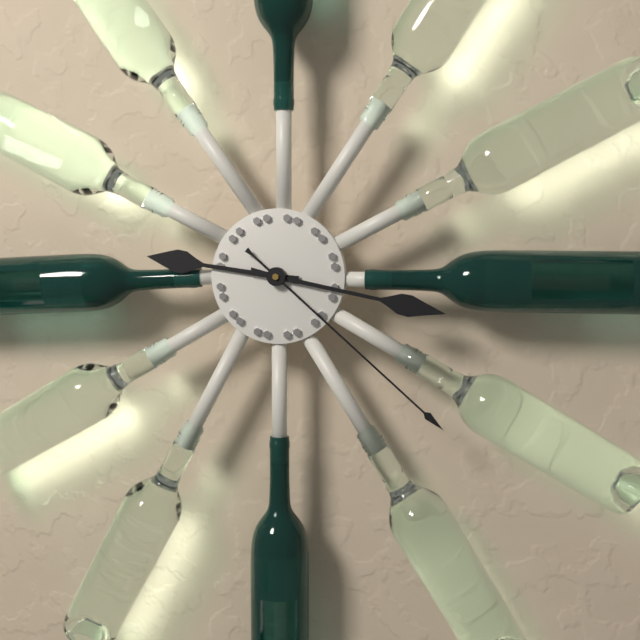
9:17:22
